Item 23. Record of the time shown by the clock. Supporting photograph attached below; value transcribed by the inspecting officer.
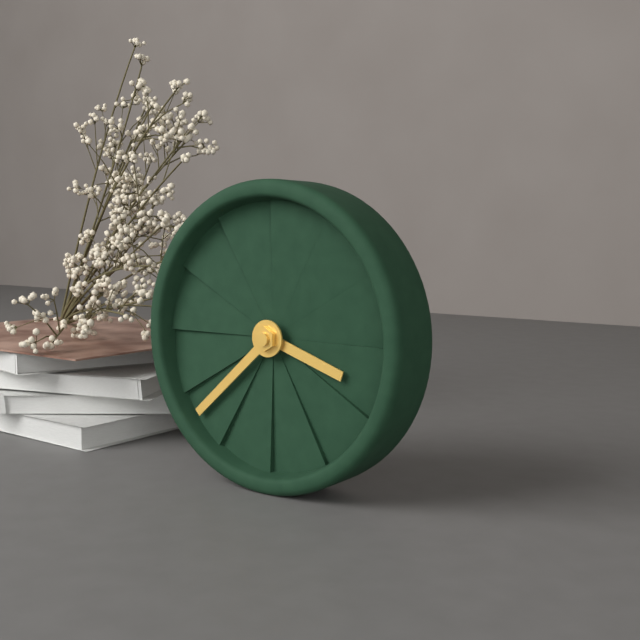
3:38
